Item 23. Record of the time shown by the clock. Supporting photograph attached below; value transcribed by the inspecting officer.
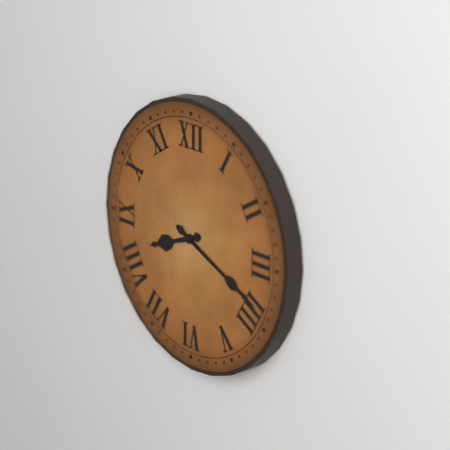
8:19
